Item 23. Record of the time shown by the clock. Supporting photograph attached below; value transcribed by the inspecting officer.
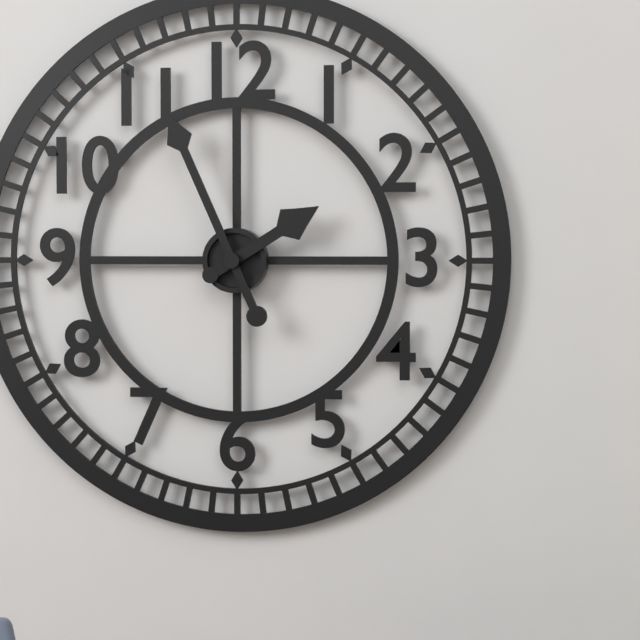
1:56
